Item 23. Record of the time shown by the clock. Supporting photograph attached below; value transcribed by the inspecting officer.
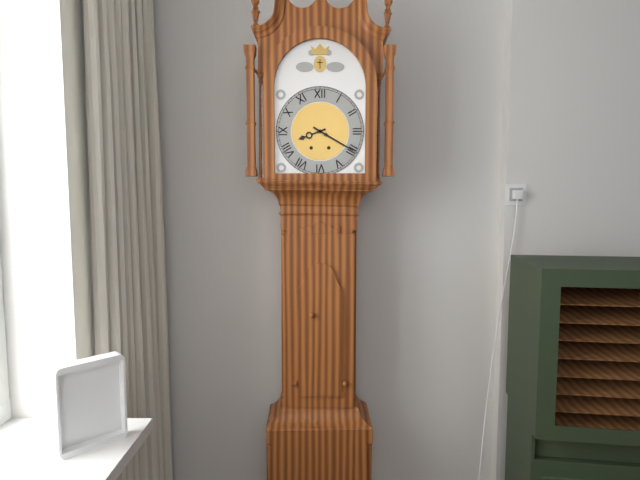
8:20
